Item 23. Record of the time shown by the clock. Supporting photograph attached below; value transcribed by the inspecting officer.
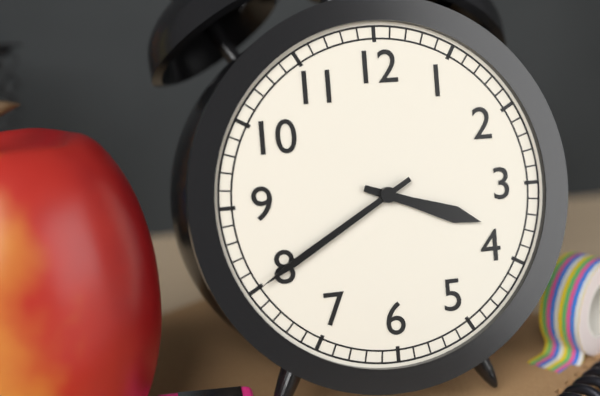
3:40
